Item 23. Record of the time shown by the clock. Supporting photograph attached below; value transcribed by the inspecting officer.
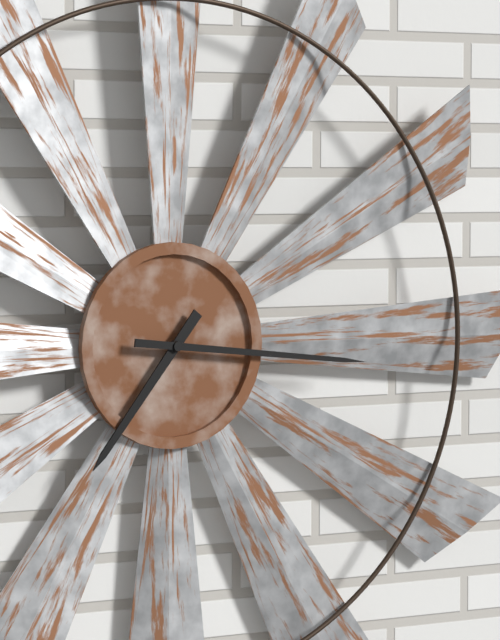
7:16
